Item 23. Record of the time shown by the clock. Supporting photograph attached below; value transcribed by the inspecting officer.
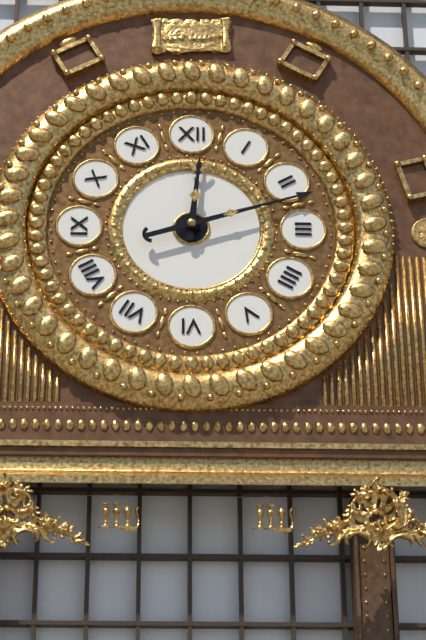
12:12
